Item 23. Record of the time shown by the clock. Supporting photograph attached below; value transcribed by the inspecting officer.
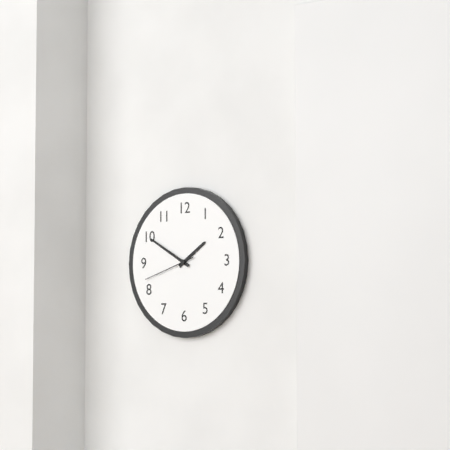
1:50:42
